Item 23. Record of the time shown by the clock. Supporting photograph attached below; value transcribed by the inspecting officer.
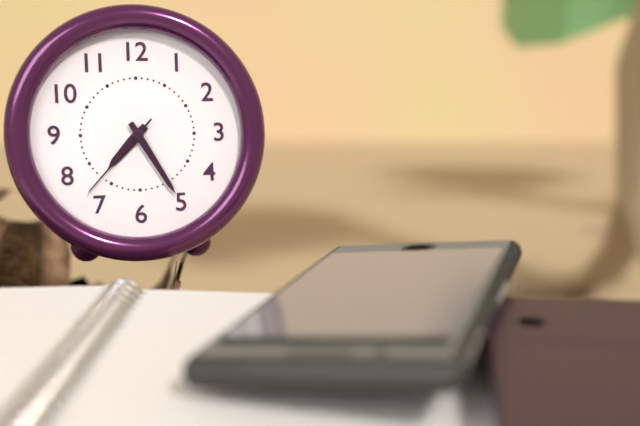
7:25:37
